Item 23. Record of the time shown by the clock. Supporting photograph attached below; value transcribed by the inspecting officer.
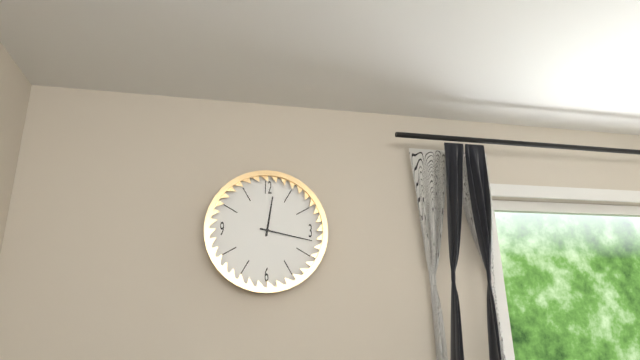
12:17
